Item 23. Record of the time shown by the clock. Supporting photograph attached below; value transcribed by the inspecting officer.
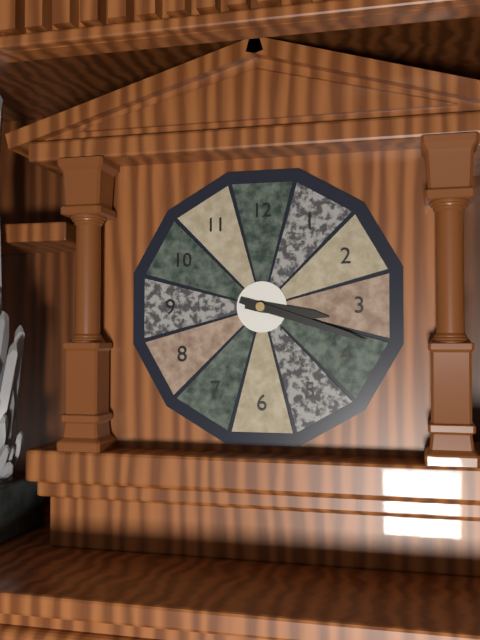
3:18
